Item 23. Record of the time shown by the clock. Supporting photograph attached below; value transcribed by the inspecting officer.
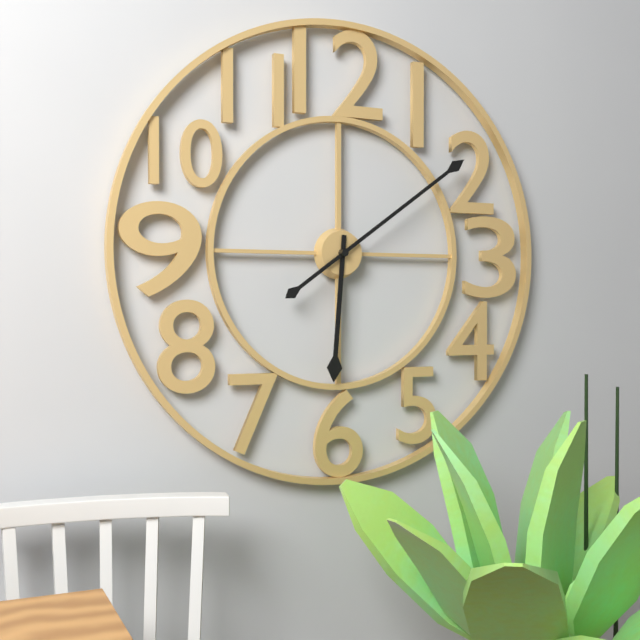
6:09
